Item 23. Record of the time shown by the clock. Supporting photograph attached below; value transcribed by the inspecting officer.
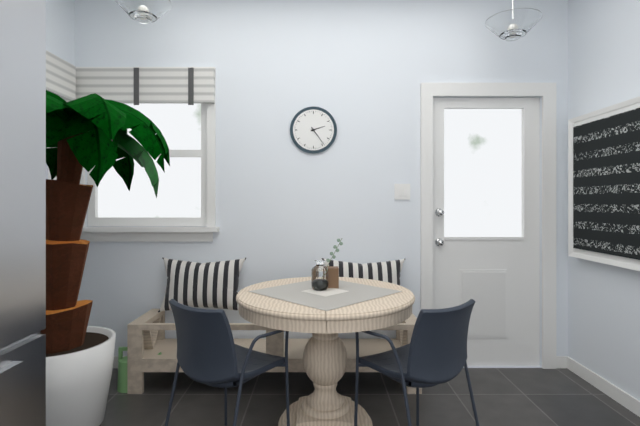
2:24
